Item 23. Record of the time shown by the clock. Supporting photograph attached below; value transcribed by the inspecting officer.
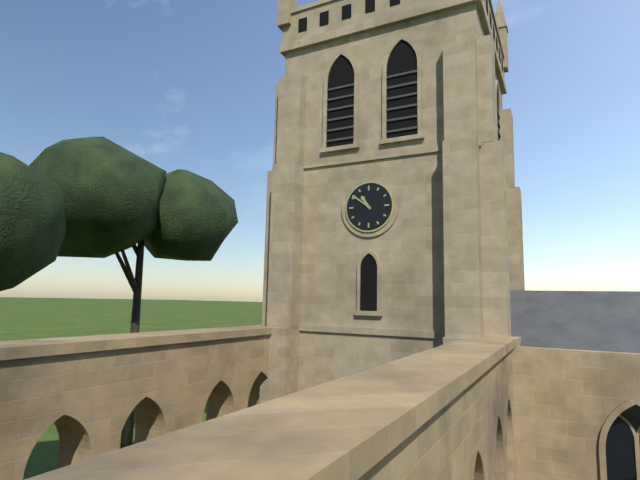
10:51
